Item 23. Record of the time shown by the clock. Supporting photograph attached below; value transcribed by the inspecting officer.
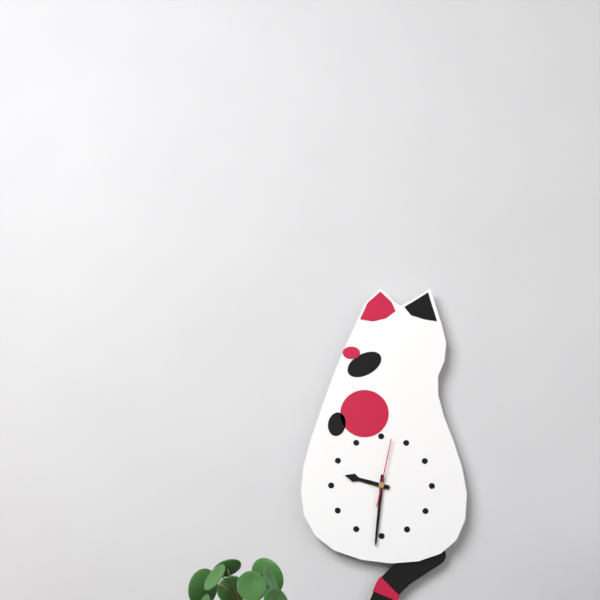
9:31:02
